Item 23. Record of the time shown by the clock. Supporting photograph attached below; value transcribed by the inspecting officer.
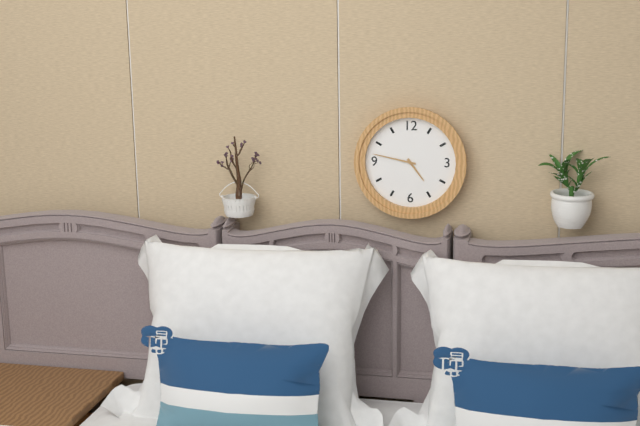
4:47
